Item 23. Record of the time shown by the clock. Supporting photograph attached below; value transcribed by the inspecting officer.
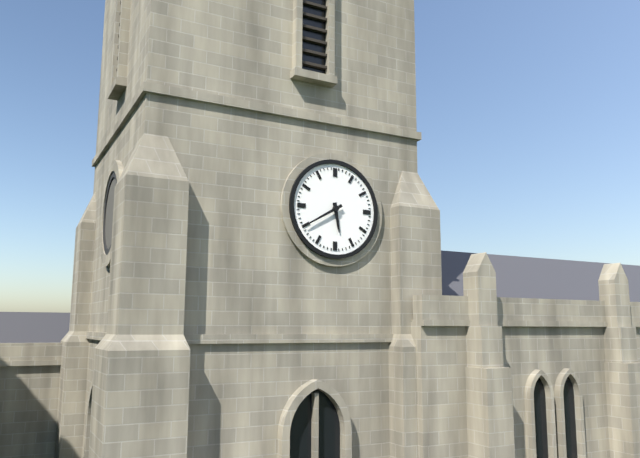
5:40
